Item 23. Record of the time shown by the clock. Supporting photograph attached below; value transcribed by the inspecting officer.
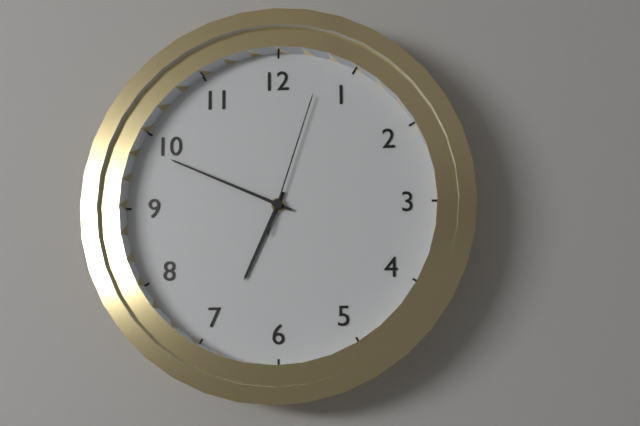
6:49:03
